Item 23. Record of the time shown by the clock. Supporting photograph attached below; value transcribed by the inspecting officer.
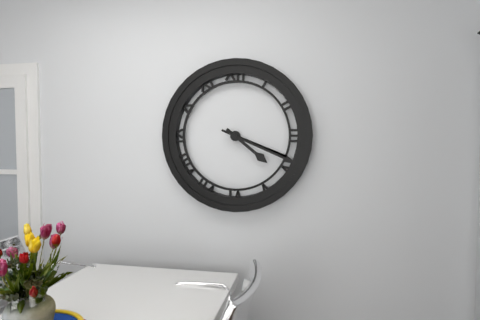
4:19
